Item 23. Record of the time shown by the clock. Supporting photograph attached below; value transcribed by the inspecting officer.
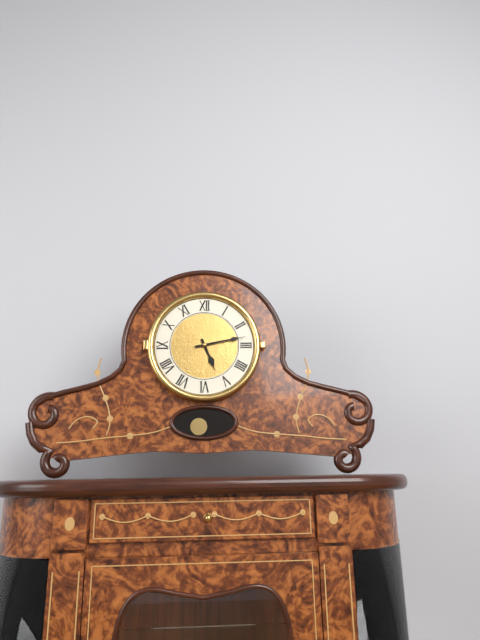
5:13
